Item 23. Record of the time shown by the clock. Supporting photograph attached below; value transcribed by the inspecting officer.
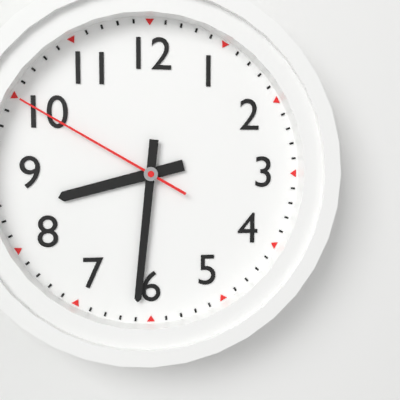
8:31:50
